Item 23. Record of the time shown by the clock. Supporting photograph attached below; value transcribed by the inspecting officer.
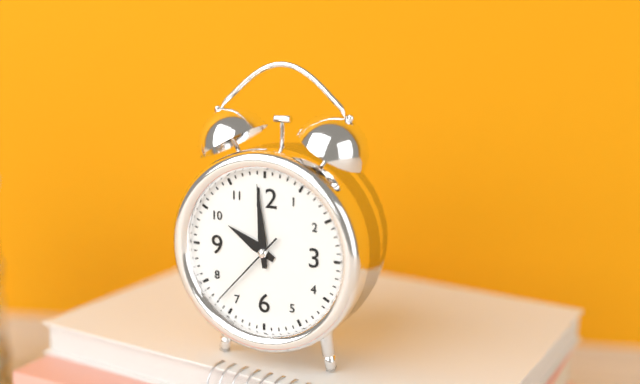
9:59:37
